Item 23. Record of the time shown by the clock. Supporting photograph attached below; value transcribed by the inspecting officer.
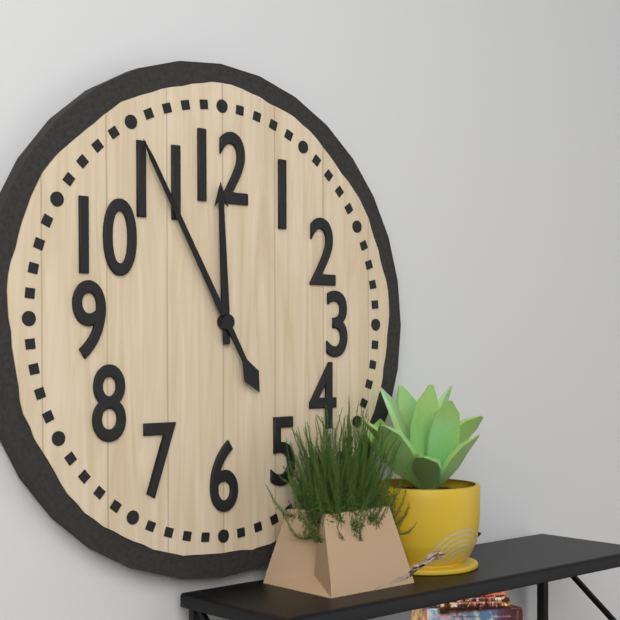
11:55
